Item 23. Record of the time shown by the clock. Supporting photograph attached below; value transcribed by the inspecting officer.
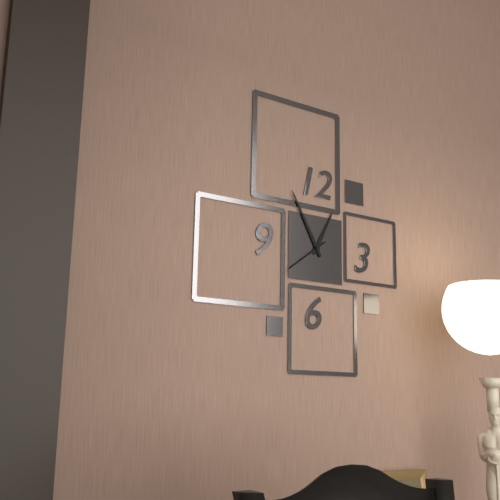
12:55:39
